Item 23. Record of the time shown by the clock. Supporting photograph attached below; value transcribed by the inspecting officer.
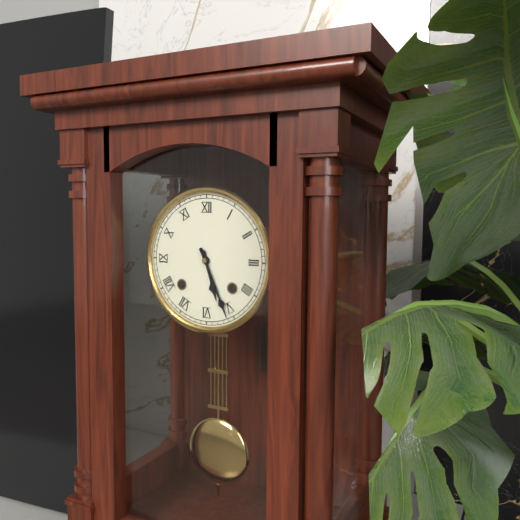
5:26
